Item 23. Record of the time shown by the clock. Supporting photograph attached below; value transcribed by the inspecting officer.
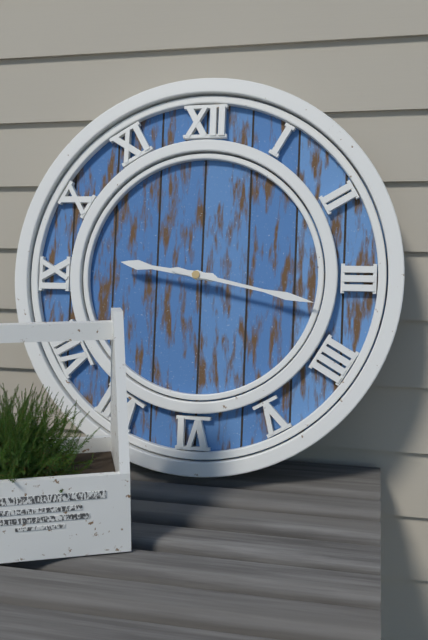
9:17
